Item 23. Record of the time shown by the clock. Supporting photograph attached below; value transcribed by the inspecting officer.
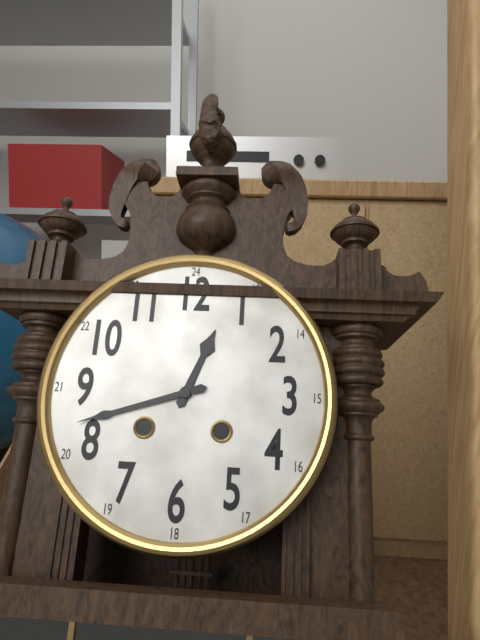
12:42
